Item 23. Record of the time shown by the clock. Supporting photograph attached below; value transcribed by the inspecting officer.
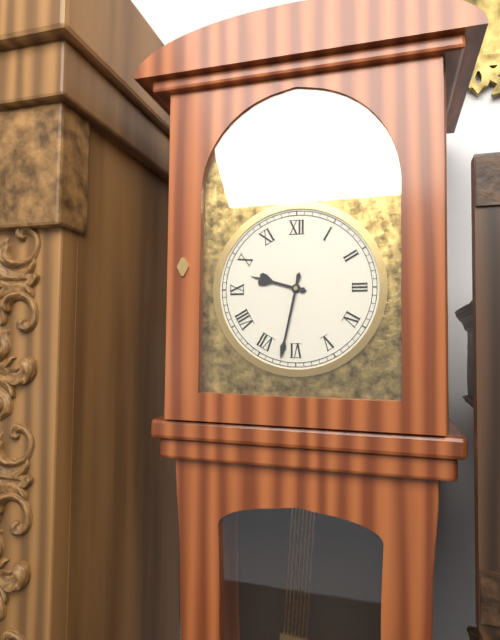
9:32
